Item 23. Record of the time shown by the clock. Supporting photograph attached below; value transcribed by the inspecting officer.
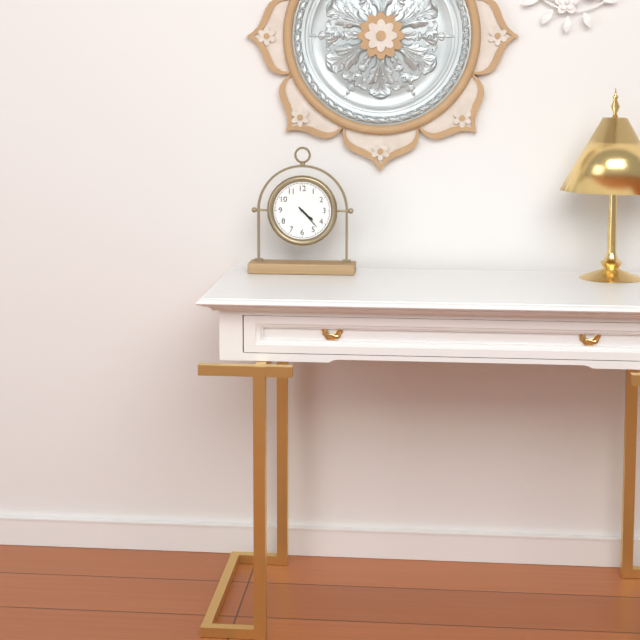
4:23
